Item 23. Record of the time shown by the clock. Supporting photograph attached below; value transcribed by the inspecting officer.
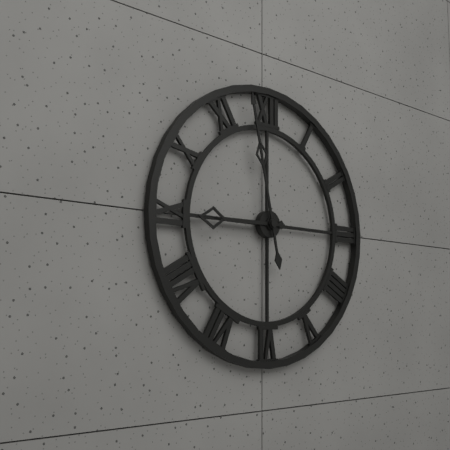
8:58
